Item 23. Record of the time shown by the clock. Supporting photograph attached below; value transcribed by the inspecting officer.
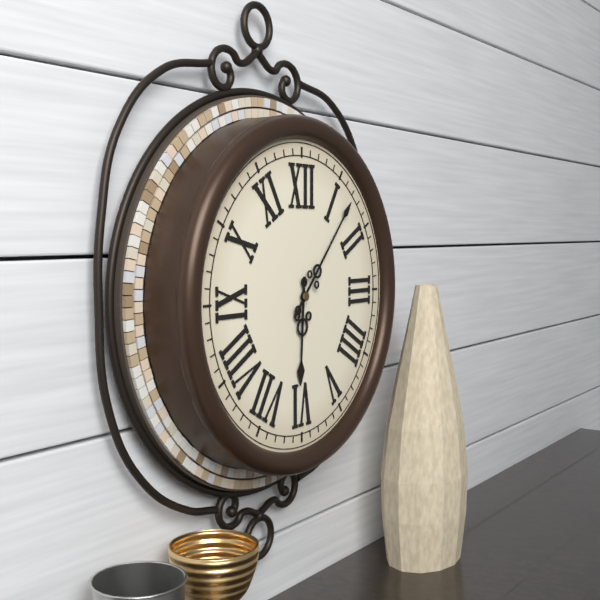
6:07
